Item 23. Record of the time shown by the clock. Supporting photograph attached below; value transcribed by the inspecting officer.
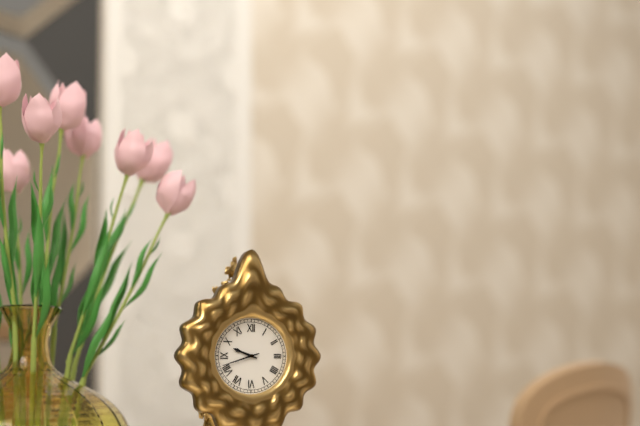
9:42
